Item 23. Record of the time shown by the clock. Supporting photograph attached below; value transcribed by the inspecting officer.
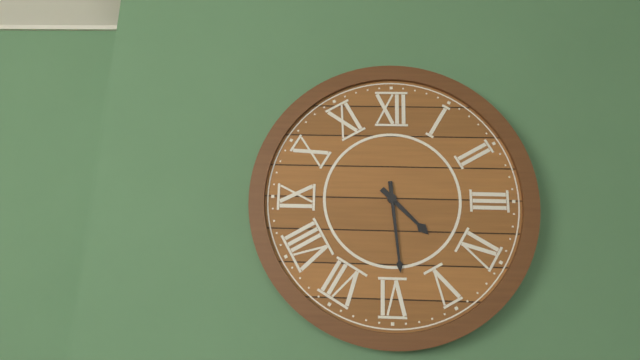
4:29
